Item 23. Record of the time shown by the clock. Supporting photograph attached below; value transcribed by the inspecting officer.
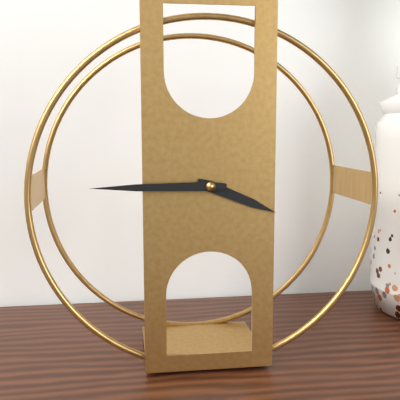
3:45
